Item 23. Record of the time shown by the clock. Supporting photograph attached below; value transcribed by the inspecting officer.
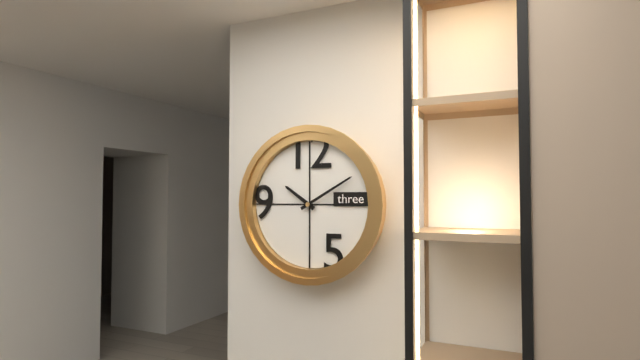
10:10
